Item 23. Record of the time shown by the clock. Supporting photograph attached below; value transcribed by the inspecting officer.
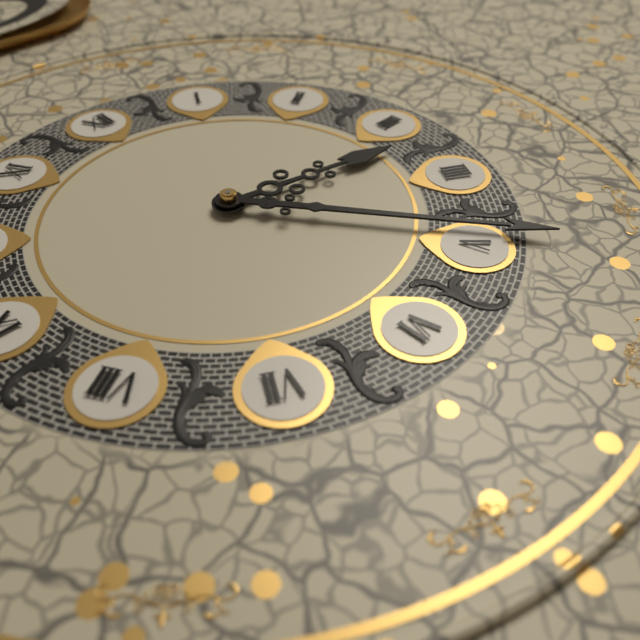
3:24
